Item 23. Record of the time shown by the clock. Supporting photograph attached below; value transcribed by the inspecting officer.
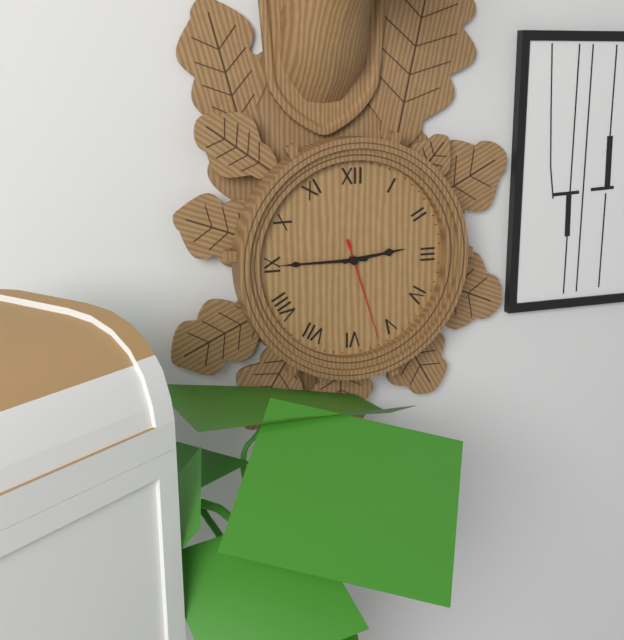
2:45:27
